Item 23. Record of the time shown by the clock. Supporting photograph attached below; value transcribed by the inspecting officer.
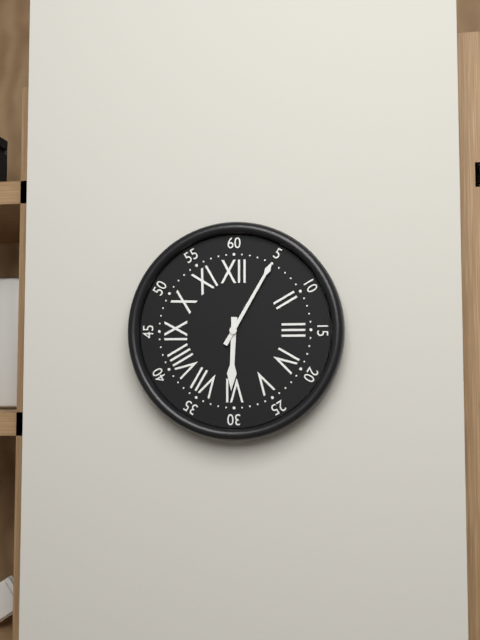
6:05
